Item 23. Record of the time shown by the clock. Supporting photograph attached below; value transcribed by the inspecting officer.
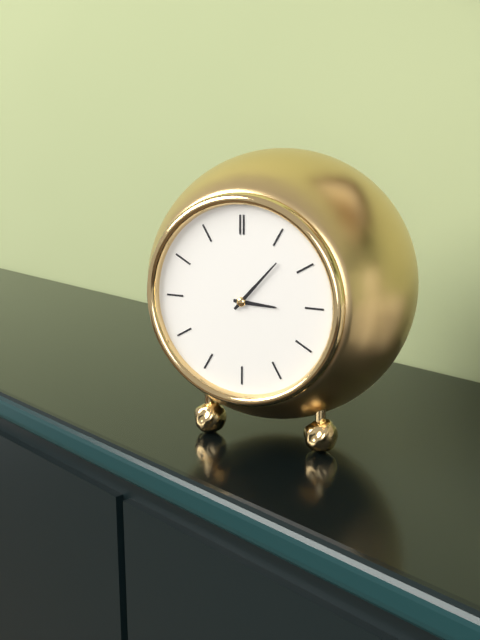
3:07
